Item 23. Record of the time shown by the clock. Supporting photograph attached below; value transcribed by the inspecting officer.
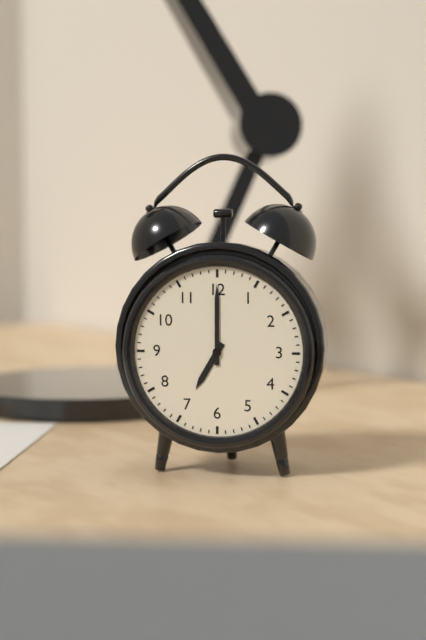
7:00
